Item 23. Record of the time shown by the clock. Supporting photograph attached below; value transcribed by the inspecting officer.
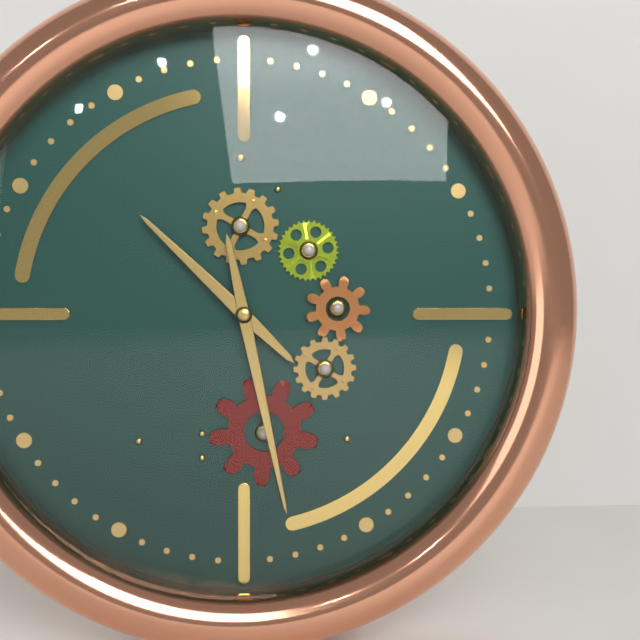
10:28
